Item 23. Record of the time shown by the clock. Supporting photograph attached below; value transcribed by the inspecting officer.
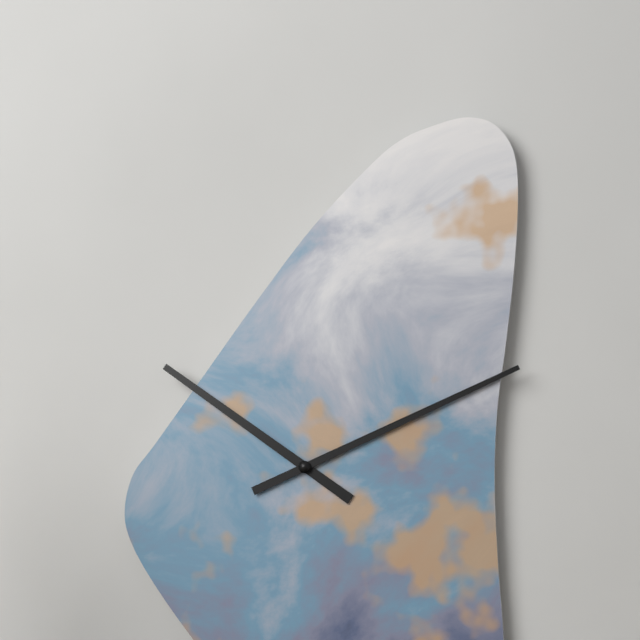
10:11
